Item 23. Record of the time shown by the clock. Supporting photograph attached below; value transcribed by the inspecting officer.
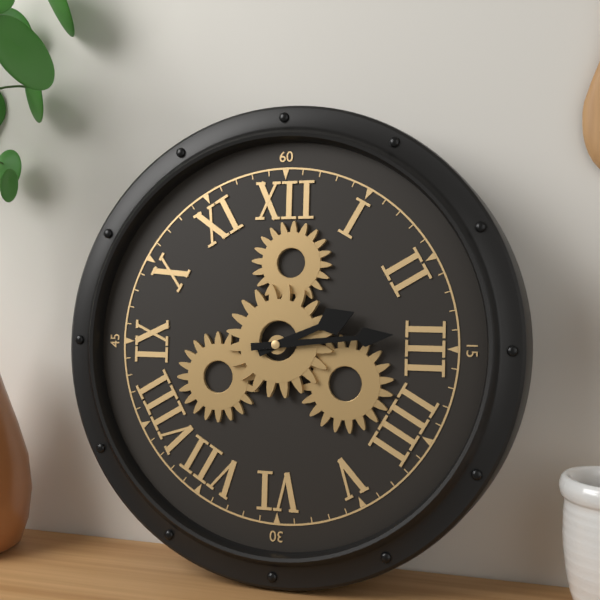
2:14
